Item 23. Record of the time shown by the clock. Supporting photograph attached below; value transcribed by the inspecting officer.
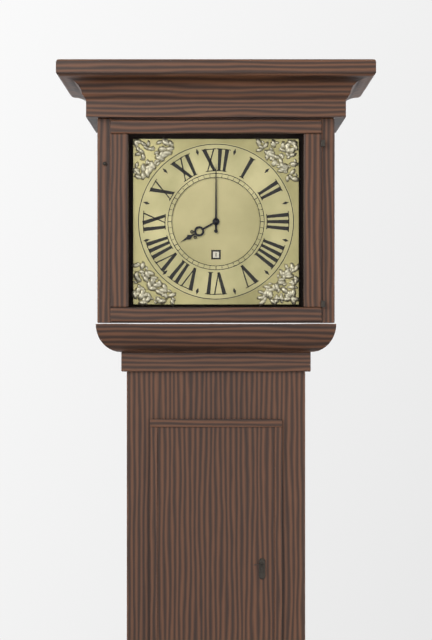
8:00
